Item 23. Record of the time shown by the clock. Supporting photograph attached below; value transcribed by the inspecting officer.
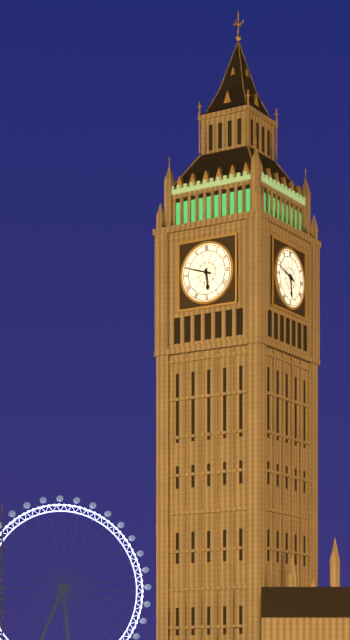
5:48
